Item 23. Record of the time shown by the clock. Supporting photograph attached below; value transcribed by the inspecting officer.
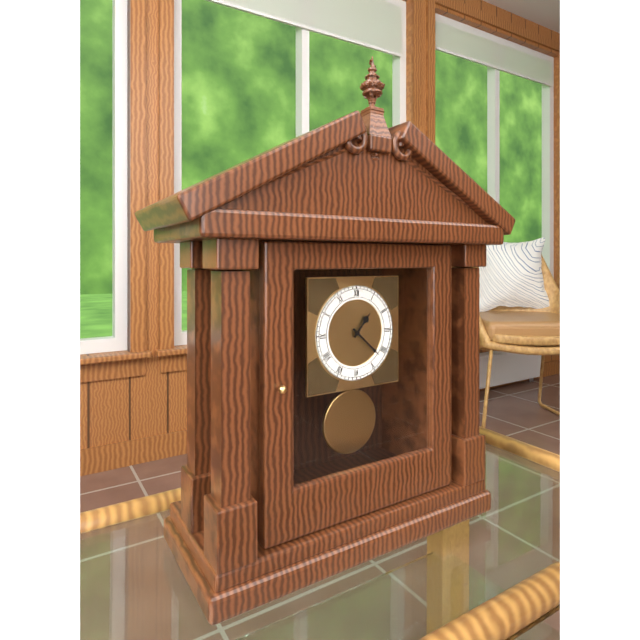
1:22
